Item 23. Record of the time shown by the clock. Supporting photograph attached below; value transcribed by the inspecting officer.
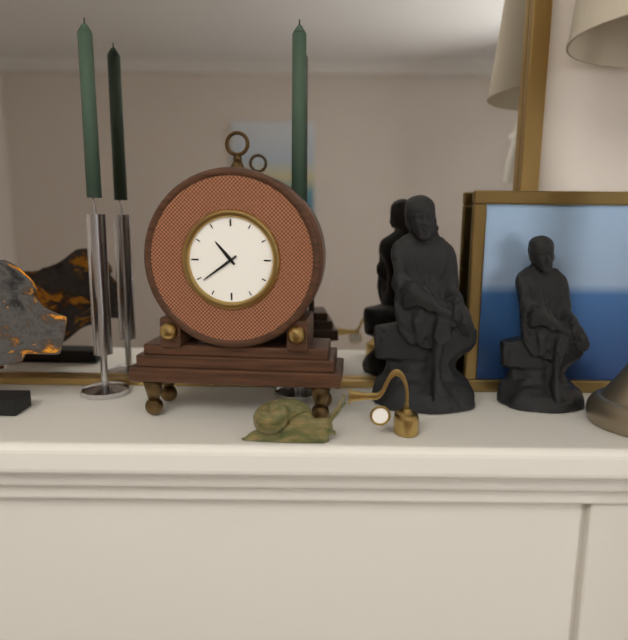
10:39
